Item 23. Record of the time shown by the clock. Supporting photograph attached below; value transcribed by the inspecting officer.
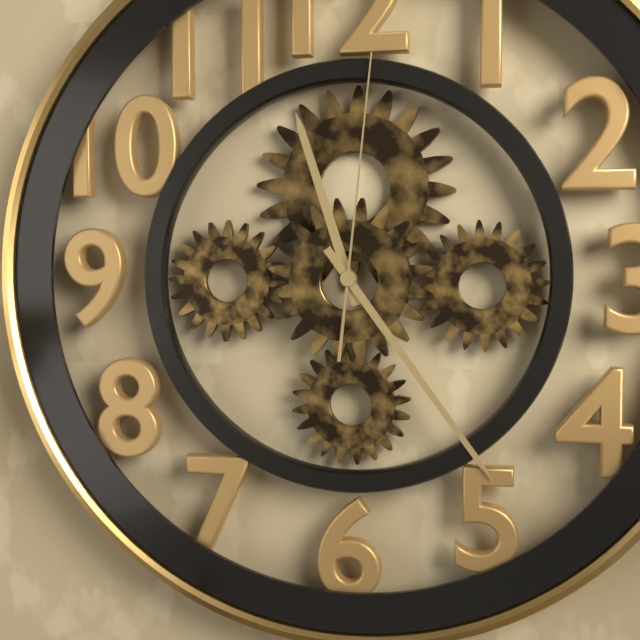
11:24:01
